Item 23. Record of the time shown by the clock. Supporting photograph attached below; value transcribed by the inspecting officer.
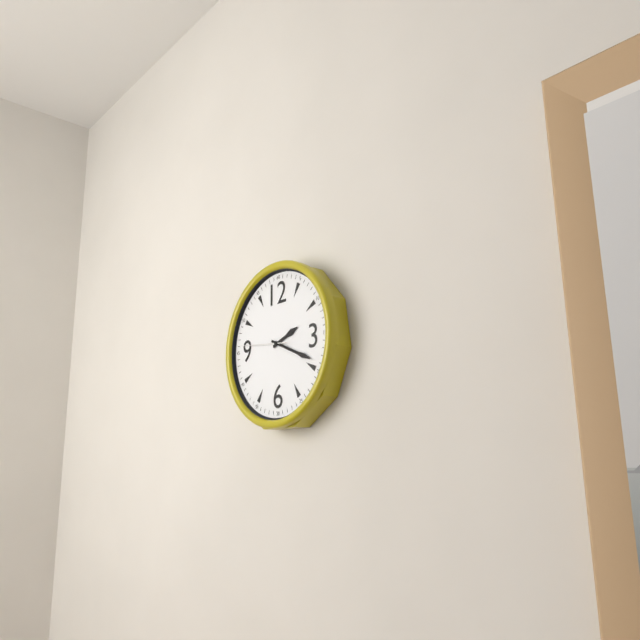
2:19
